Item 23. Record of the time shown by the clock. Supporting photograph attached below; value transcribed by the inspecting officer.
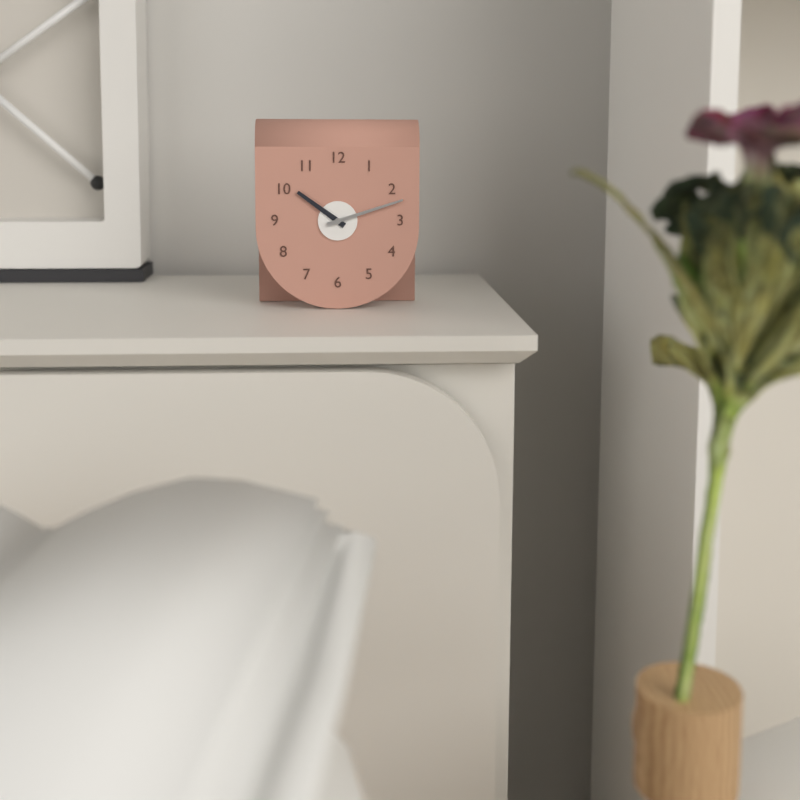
10:12
